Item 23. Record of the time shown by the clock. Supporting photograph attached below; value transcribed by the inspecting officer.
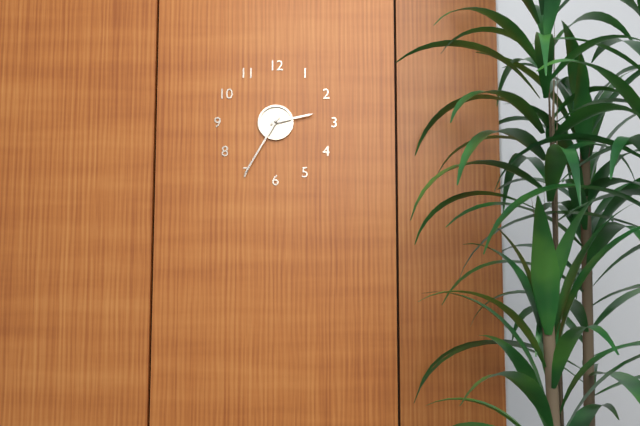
2:35
